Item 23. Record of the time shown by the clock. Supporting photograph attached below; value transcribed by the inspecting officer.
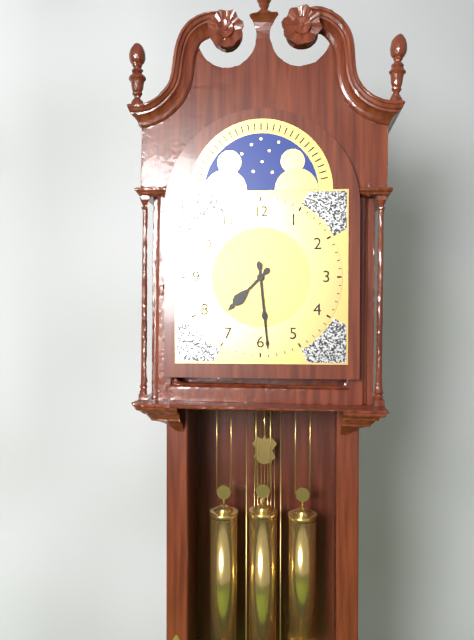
7:29
